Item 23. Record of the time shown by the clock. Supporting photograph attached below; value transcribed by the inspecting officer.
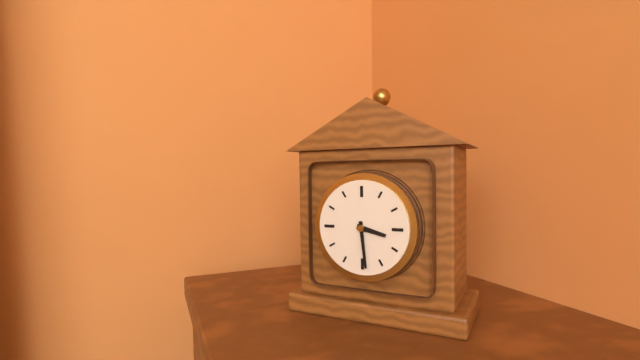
3:29
